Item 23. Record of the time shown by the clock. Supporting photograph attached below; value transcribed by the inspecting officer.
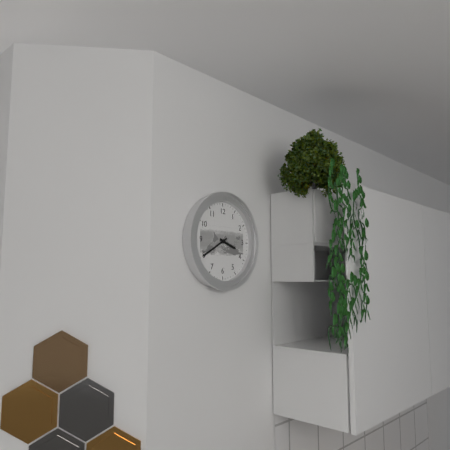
3:40
